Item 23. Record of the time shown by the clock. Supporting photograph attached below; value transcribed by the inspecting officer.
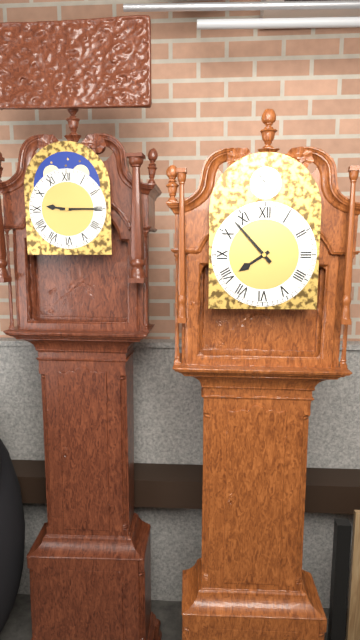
7:53
